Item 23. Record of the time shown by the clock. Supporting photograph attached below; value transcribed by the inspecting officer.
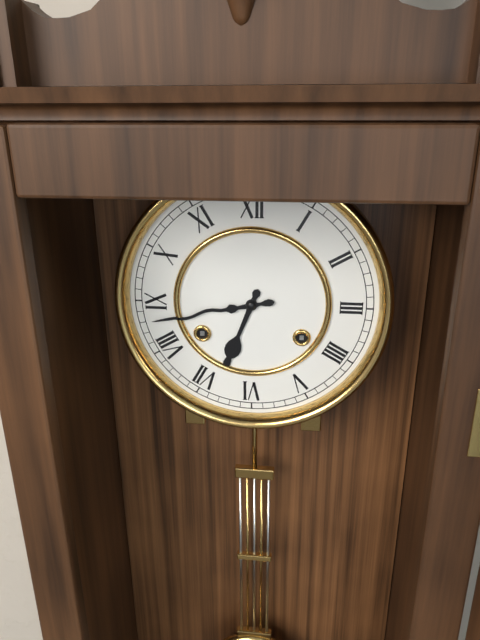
6:43
